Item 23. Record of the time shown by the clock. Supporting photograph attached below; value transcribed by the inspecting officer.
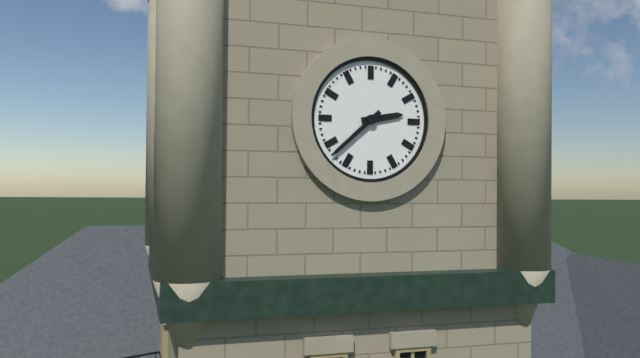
2:38
